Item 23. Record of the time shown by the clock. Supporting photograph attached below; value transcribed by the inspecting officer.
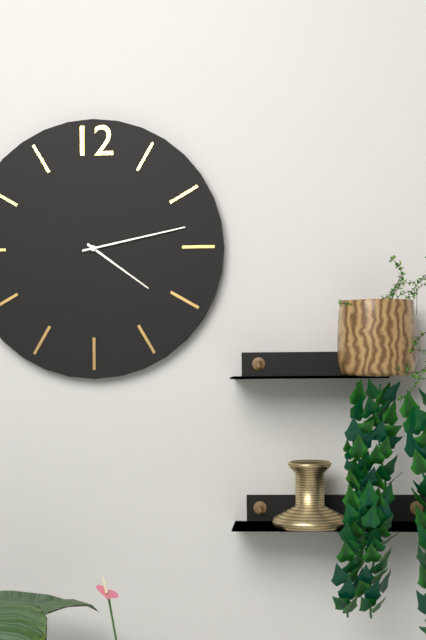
4:13
